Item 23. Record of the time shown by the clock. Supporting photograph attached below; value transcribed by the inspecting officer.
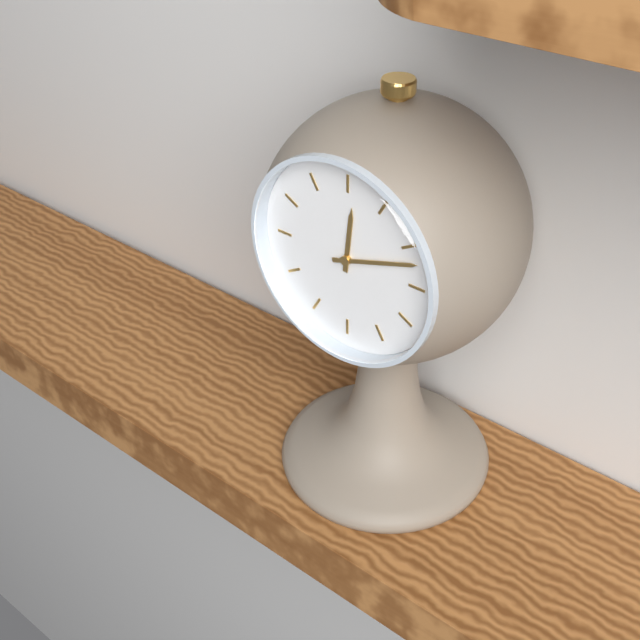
12:12
